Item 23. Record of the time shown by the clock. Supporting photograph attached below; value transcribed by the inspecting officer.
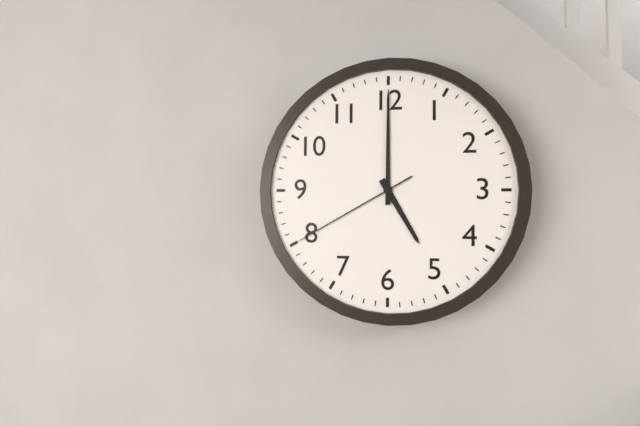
5:00:40
